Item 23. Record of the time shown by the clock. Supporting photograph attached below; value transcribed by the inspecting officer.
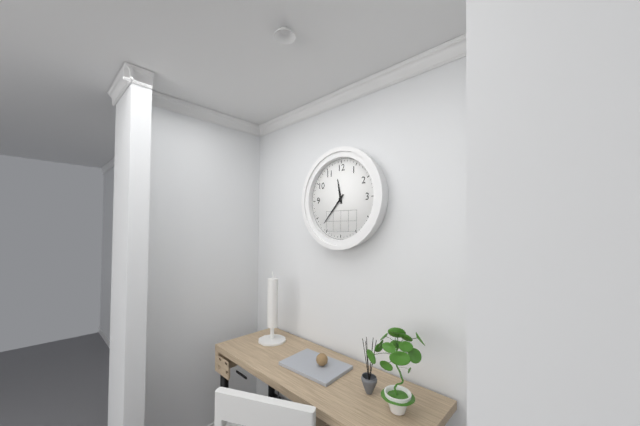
11:37
